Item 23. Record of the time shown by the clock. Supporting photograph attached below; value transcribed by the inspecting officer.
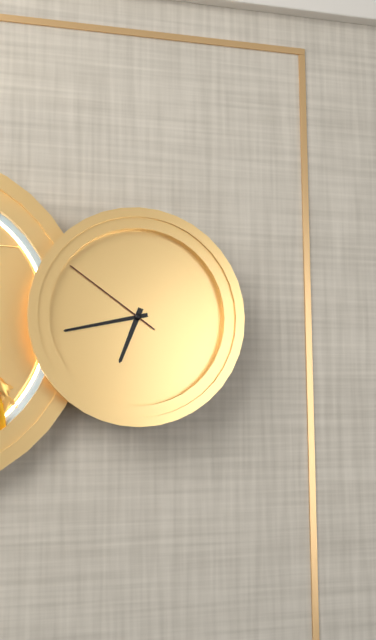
6:43:51
